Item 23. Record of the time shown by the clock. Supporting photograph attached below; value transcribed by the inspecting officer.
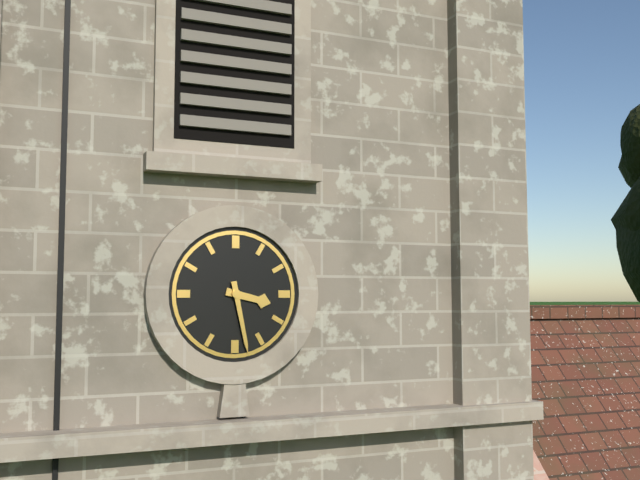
3:28
